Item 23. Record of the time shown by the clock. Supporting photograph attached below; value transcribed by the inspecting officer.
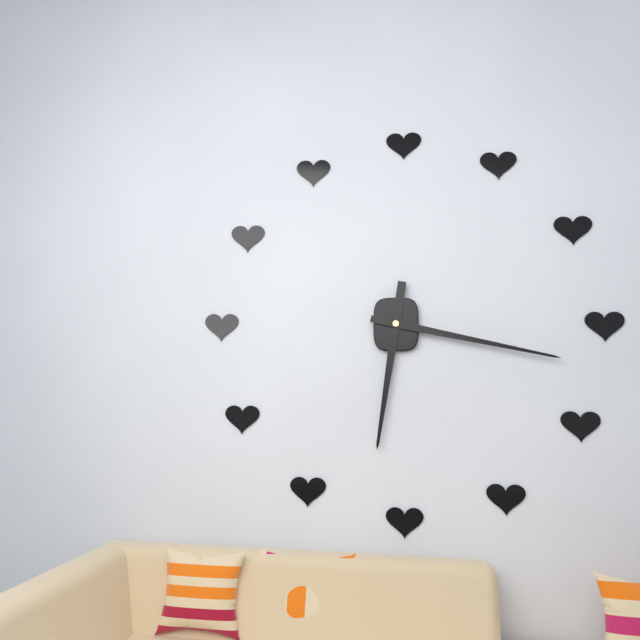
6:17
